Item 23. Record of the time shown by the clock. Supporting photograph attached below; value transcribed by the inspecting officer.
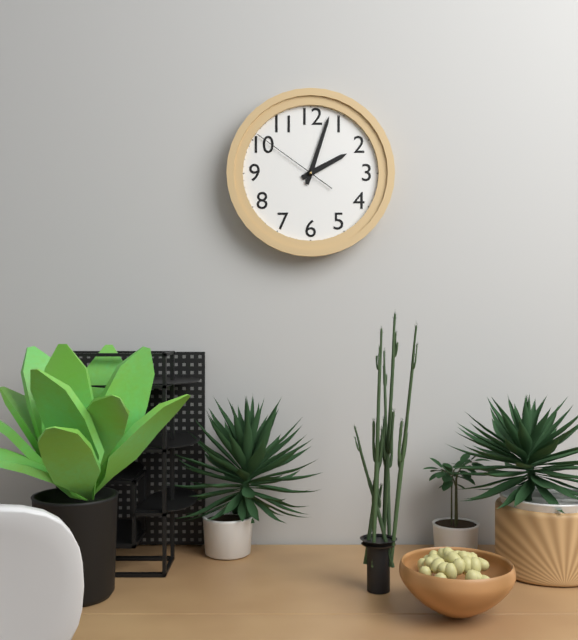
2:03:51
